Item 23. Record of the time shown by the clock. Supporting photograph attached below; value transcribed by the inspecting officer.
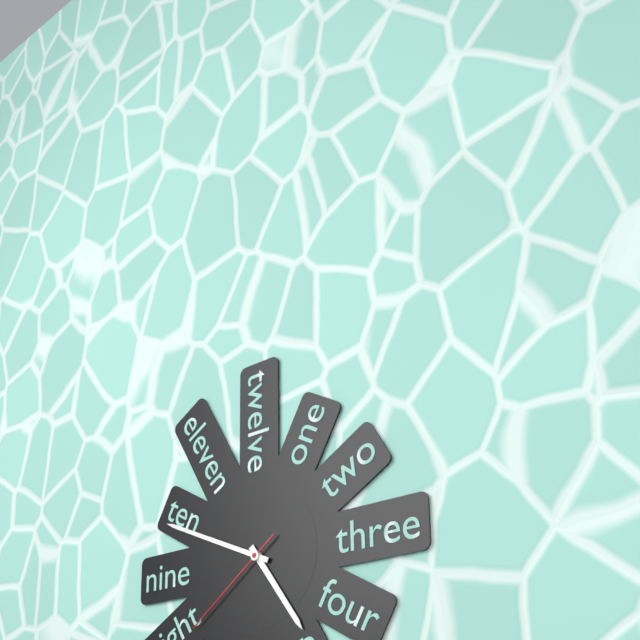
4:49:39
